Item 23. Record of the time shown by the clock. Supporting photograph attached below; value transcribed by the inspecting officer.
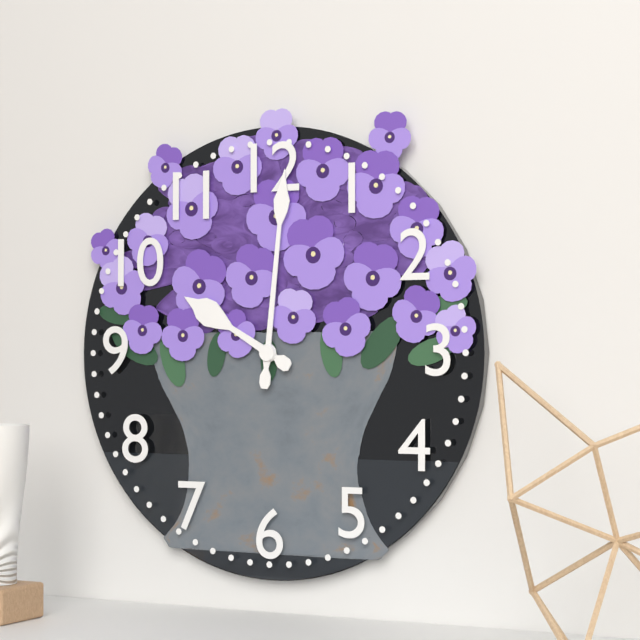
10:01
